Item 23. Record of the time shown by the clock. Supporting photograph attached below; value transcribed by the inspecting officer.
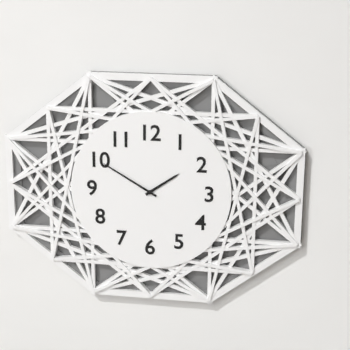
1:50
